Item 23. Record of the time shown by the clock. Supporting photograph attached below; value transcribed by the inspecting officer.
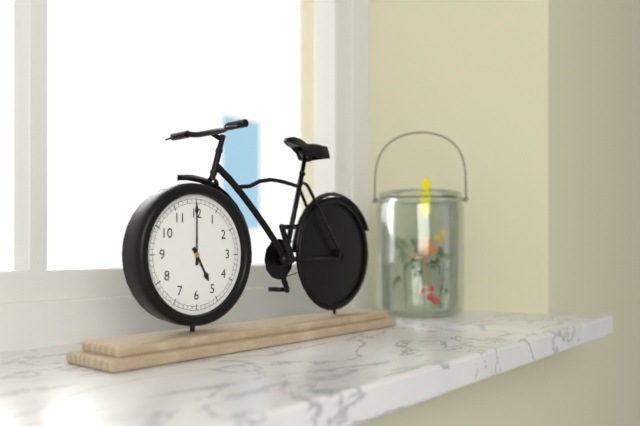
5:00
